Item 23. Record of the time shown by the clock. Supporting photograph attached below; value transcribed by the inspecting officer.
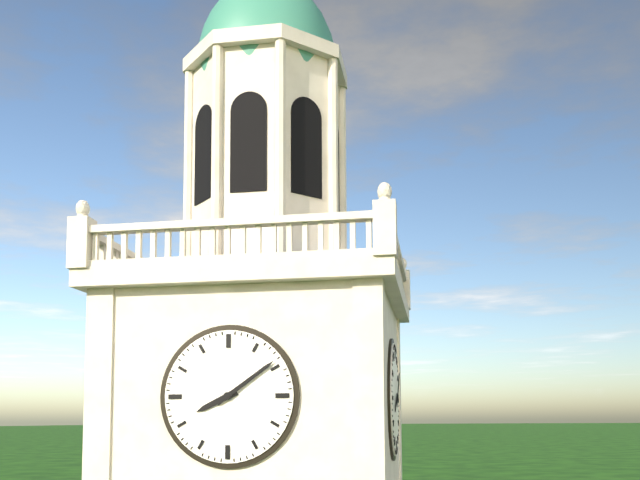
8:09
